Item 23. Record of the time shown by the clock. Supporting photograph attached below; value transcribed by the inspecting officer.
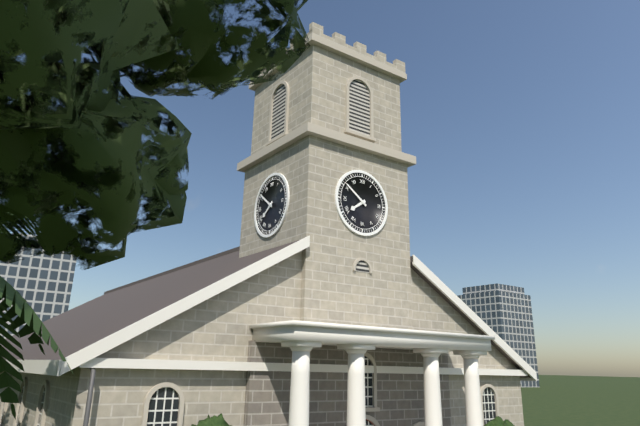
7:51
